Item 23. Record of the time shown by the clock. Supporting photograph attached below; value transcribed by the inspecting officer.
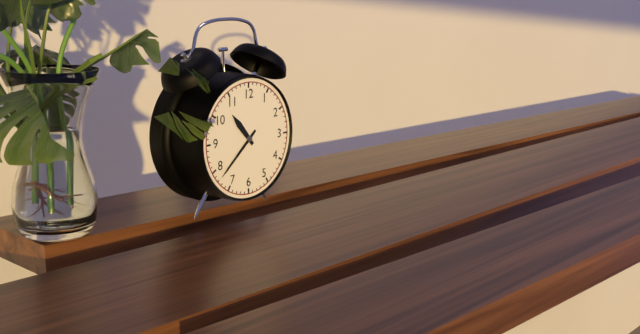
10:38
